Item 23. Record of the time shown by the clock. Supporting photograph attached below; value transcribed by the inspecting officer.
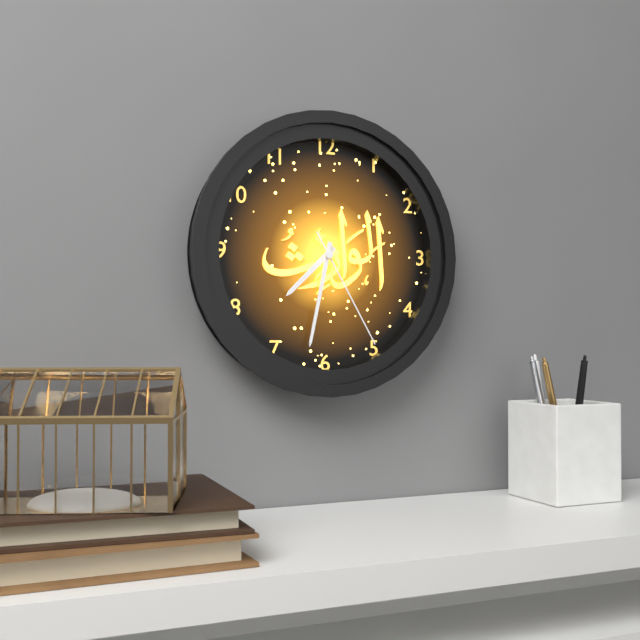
7:32:25
